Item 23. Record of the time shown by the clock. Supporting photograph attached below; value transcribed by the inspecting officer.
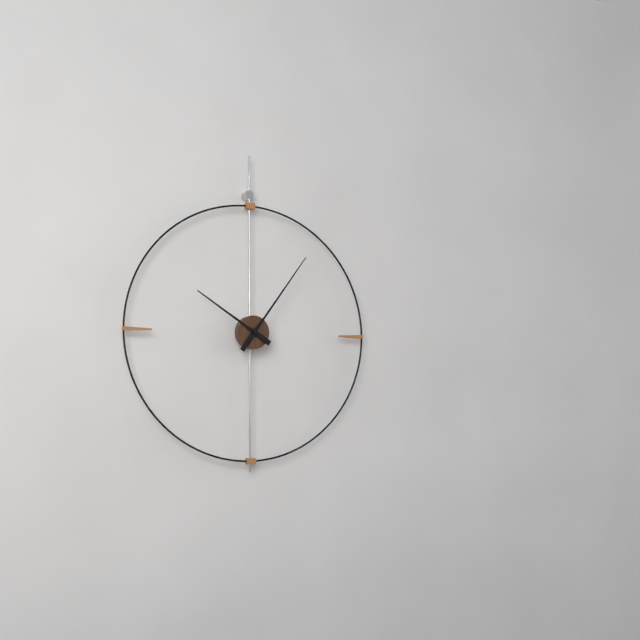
10:06
